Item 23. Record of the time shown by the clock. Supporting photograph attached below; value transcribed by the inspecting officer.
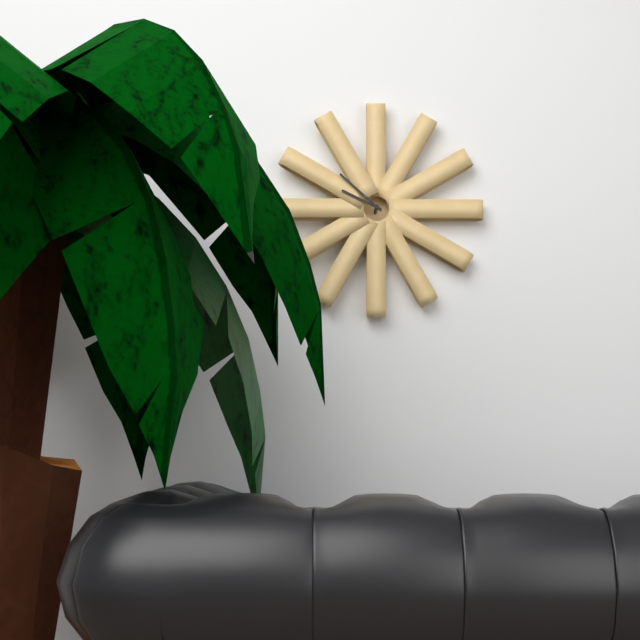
9:52
